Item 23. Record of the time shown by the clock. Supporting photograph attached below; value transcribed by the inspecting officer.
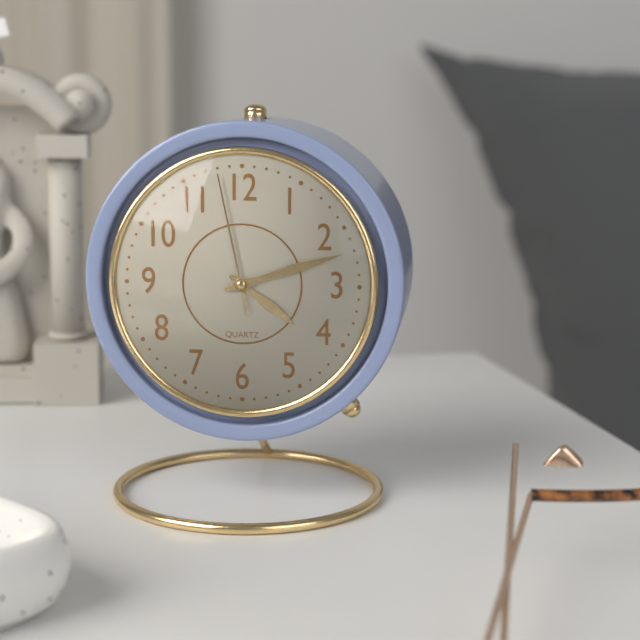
4:12:58
